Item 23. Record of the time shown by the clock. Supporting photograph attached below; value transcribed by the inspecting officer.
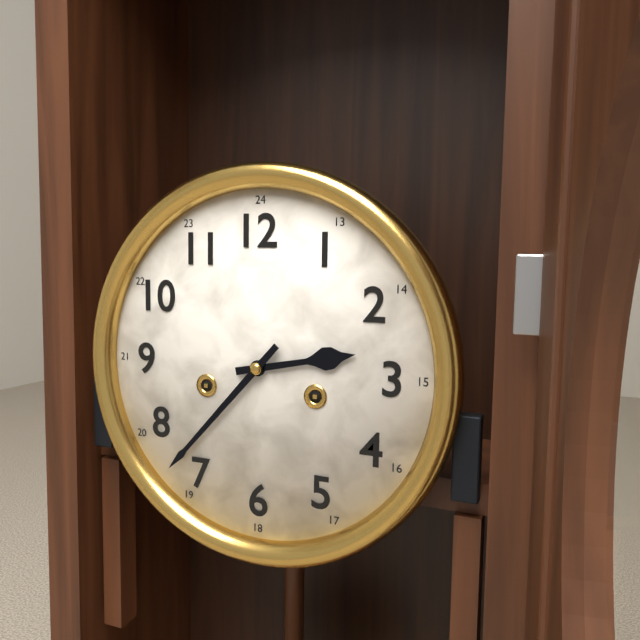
2:37
